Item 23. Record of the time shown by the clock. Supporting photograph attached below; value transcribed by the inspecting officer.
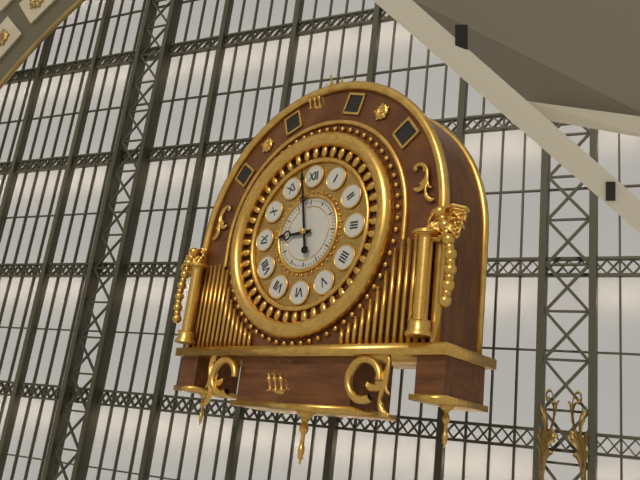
8:58
